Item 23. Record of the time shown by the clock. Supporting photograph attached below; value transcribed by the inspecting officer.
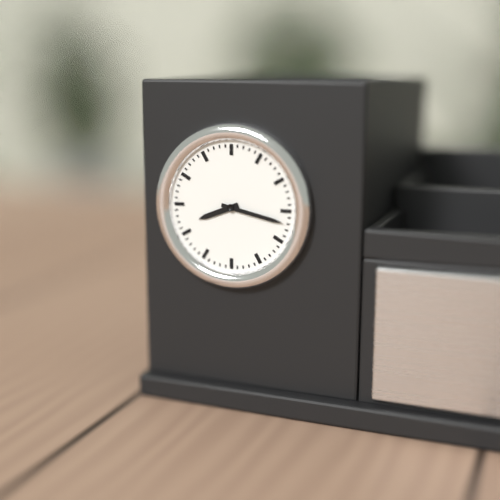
8:17
